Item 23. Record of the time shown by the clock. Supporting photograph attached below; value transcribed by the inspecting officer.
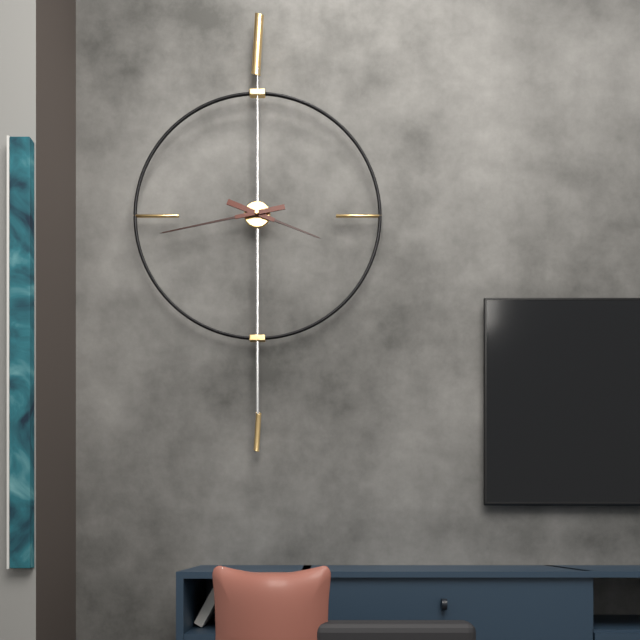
3:43
